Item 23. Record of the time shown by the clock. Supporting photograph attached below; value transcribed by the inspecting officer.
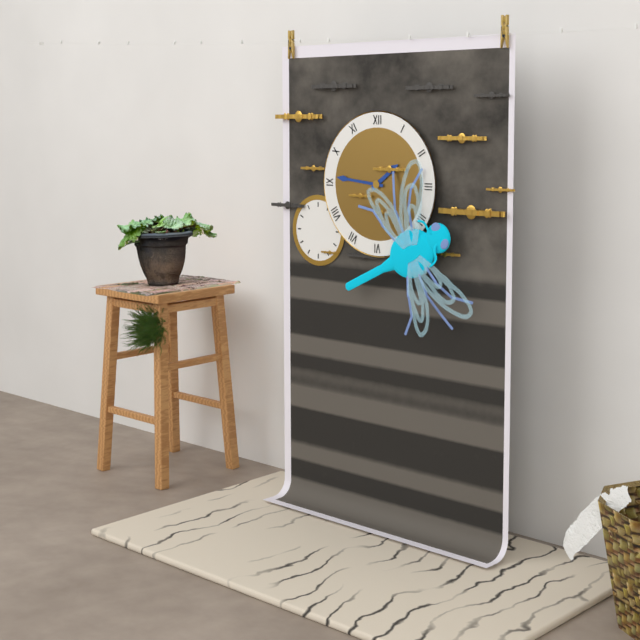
1:46
